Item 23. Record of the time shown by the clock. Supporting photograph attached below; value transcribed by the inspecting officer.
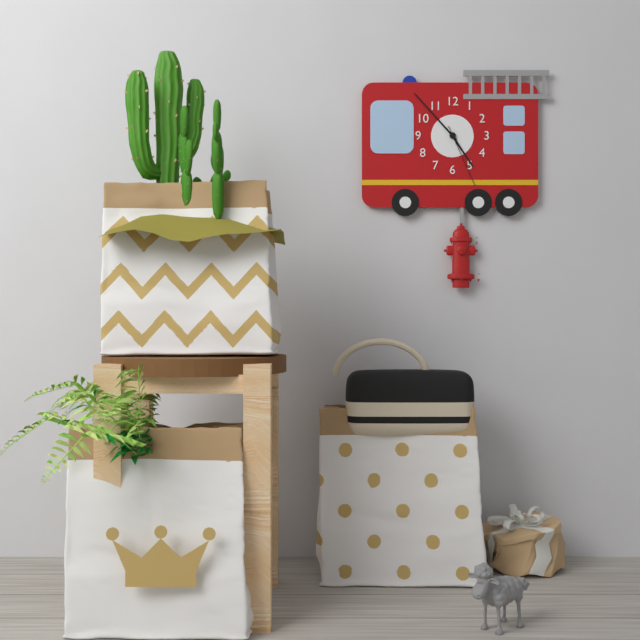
4:53:26
